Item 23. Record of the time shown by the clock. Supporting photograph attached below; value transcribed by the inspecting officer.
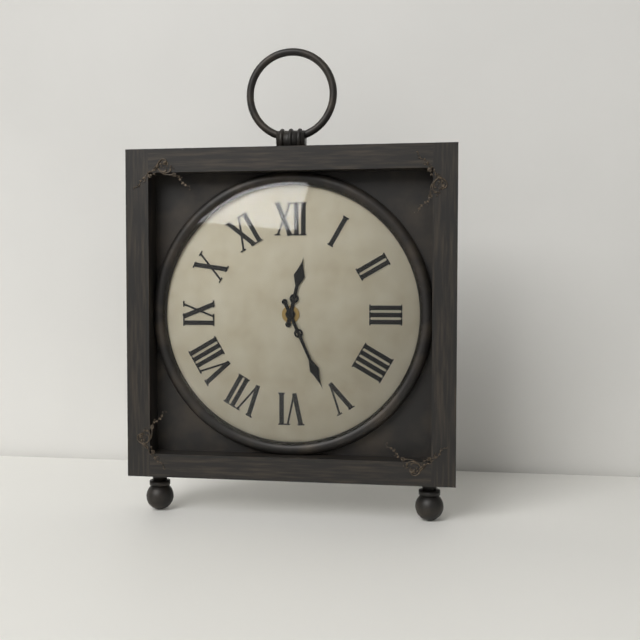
12:26
